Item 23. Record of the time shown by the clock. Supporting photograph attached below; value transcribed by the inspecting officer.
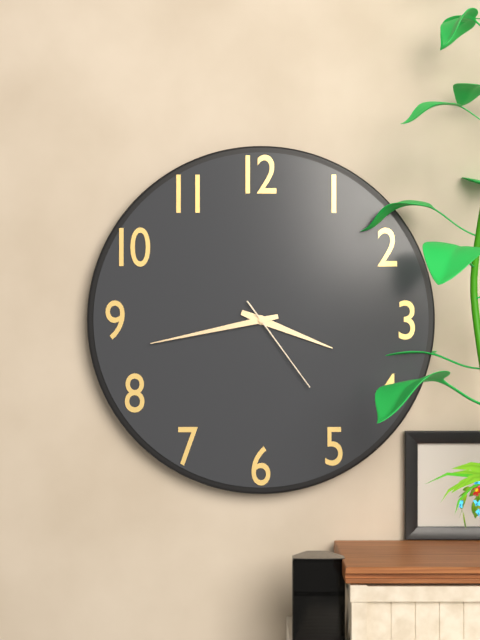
3:43:24
